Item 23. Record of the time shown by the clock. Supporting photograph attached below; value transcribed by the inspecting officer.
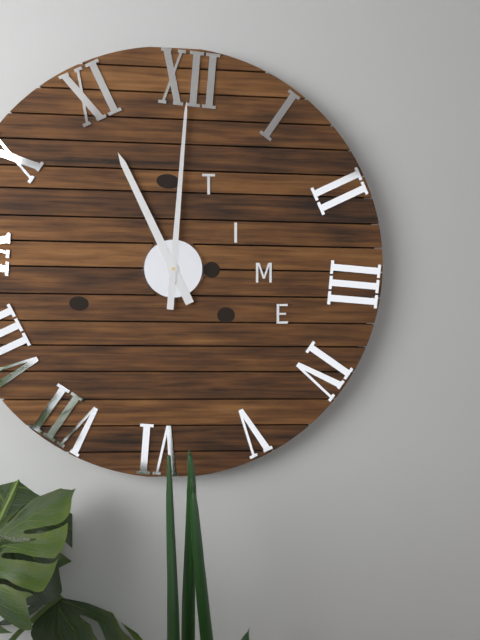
11:00
